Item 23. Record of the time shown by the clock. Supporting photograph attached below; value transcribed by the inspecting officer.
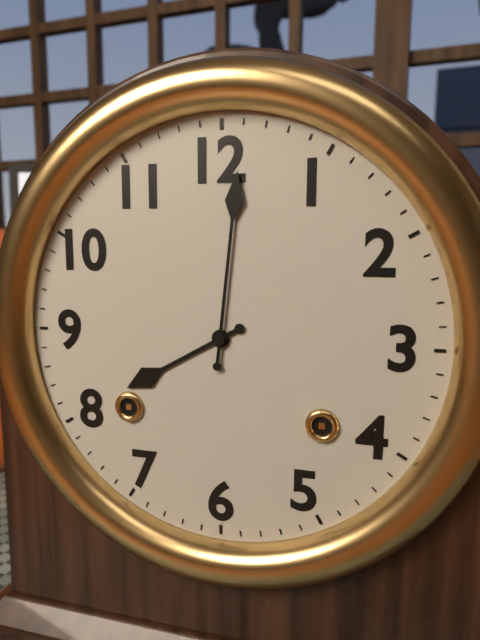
8:01
